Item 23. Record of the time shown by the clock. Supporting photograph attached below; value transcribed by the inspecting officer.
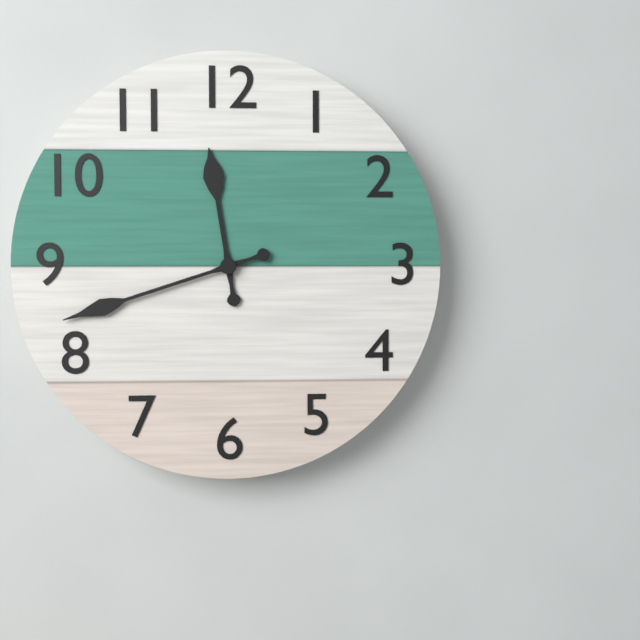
11:42
